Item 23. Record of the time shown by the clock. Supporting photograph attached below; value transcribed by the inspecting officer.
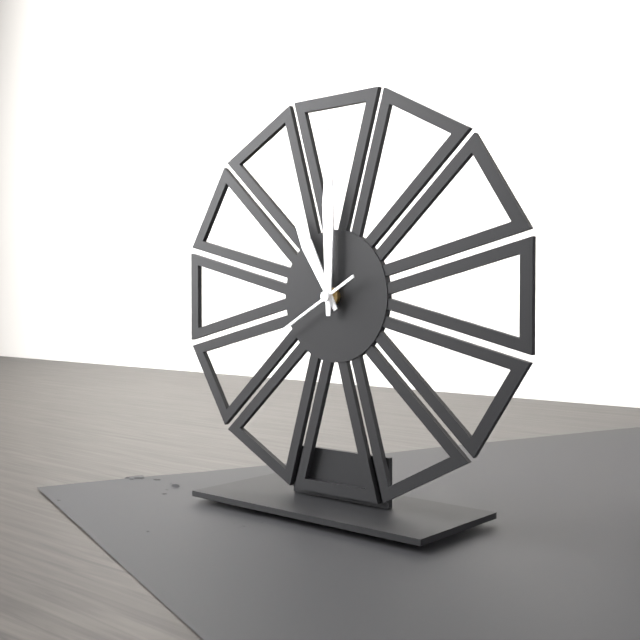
11:00:40
